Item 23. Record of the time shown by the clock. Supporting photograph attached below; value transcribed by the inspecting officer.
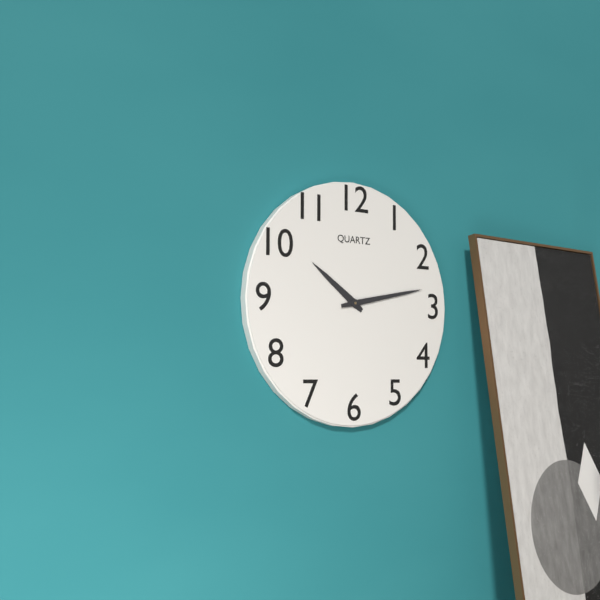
10:13
